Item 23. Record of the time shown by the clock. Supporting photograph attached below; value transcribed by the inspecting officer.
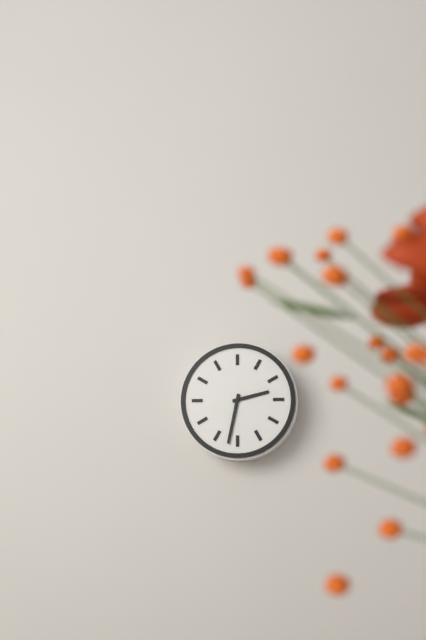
2:32
